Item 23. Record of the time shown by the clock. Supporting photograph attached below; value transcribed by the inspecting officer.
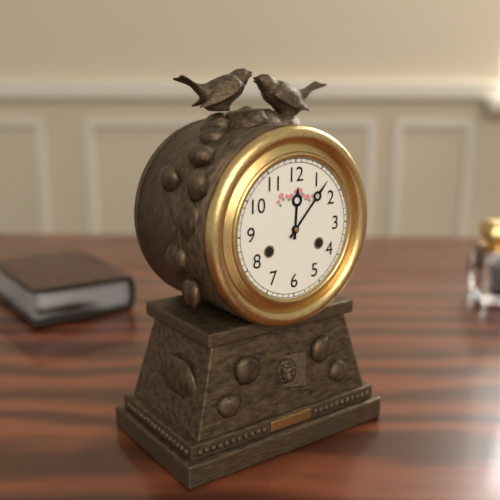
12:07
